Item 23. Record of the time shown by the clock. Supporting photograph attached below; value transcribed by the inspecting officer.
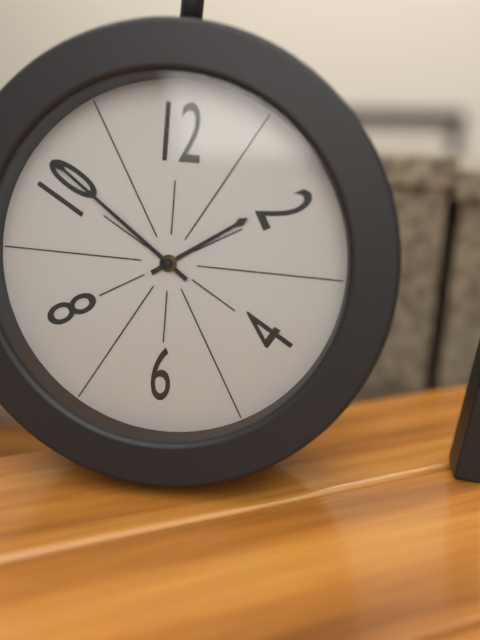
1:51
